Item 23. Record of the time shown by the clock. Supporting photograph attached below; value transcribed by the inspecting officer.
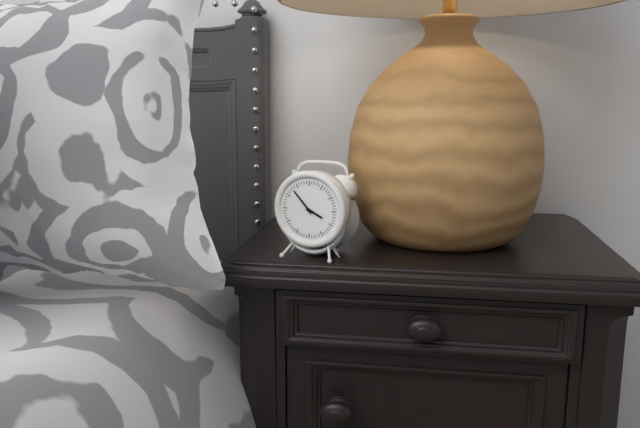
3:53
